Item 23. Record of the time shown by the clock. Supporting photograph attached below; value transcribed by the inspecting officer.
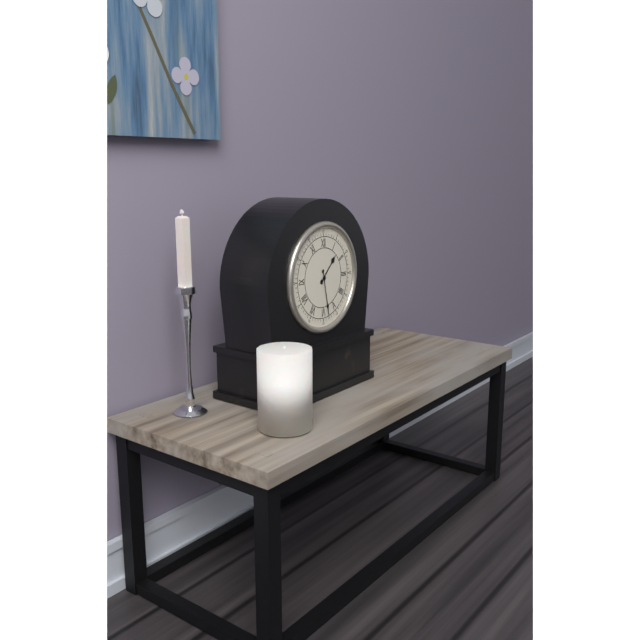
1:28
